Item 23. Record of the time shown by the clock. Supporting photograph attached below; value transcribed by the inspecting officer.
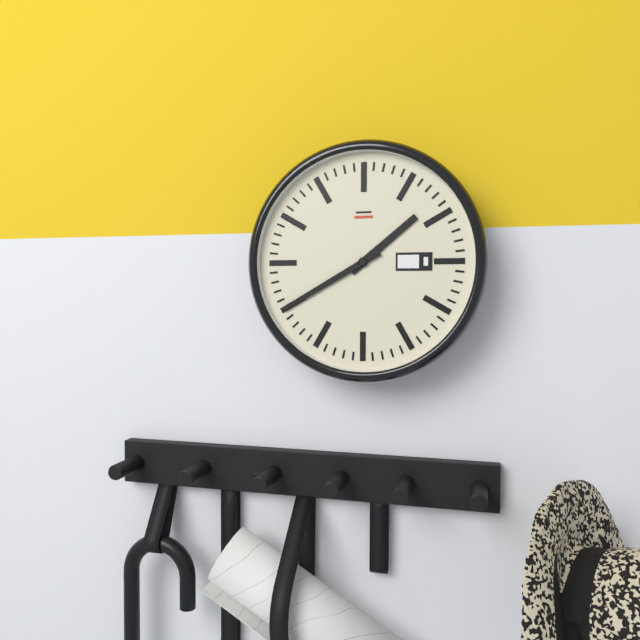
1:40
